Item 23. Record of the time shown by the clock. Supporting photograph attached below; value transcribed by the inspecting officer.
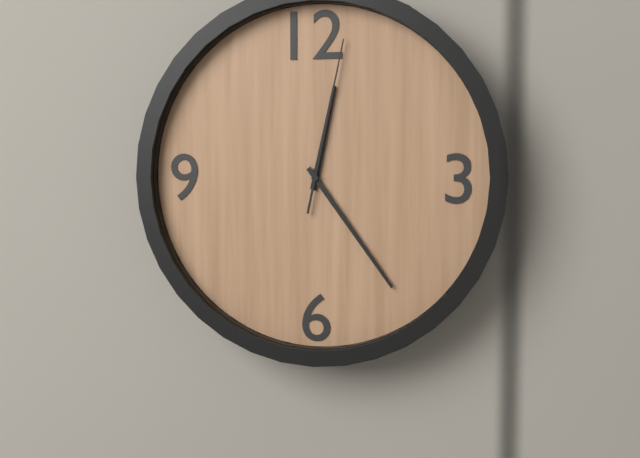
12:24:02
